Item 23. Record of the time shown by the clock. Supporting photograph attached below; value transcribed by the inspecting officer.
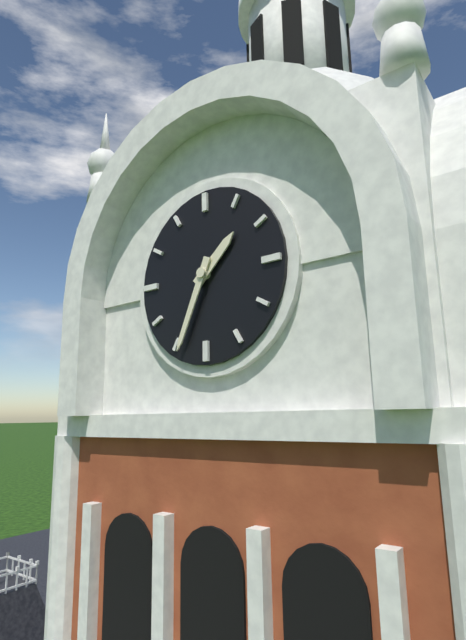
1:34
